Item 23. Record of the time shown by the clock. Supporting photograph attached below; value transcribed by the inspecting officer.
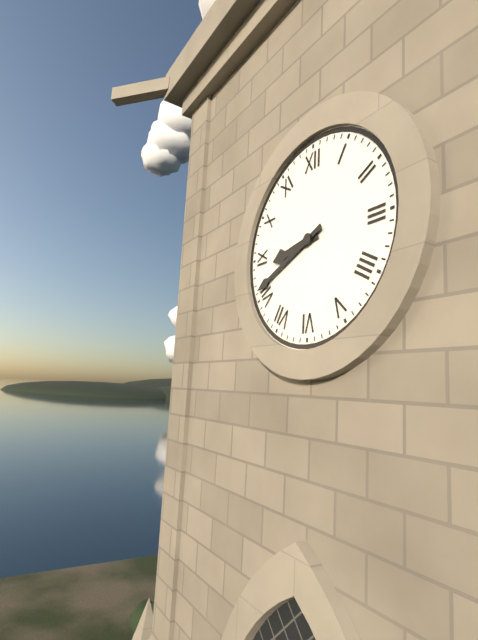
8:41
